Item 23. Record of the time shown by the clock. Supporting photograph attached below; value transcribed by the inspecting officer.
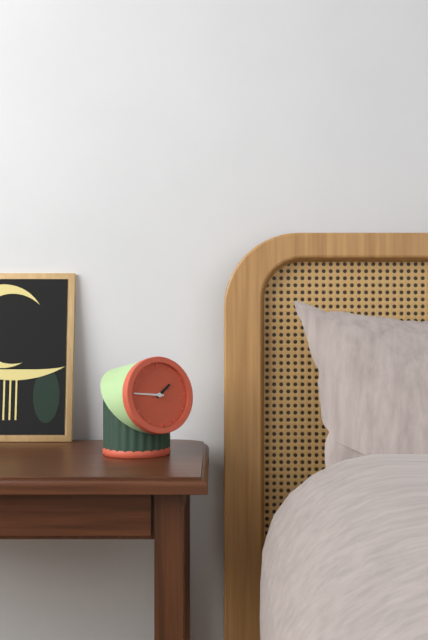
1:46
